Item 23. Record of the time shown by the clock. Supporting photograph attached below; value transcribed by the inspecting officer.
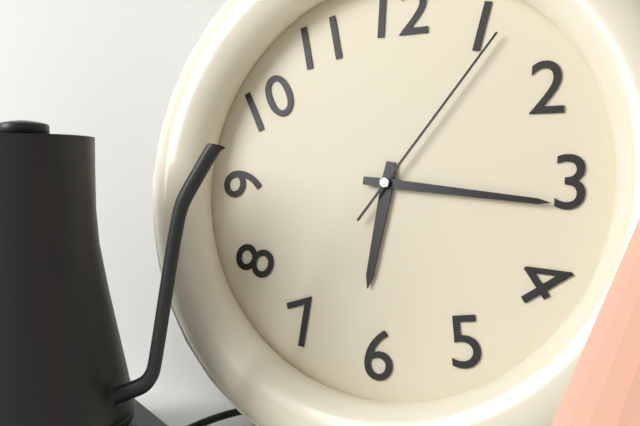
6:16:06
